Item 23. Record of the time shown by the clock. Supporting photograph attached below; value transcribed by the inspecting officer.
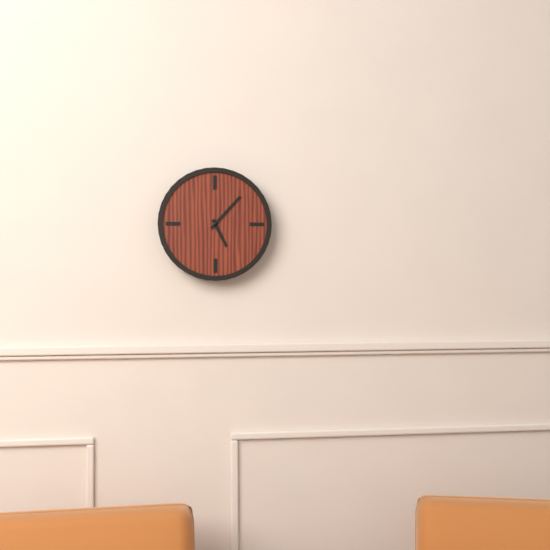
5:07
